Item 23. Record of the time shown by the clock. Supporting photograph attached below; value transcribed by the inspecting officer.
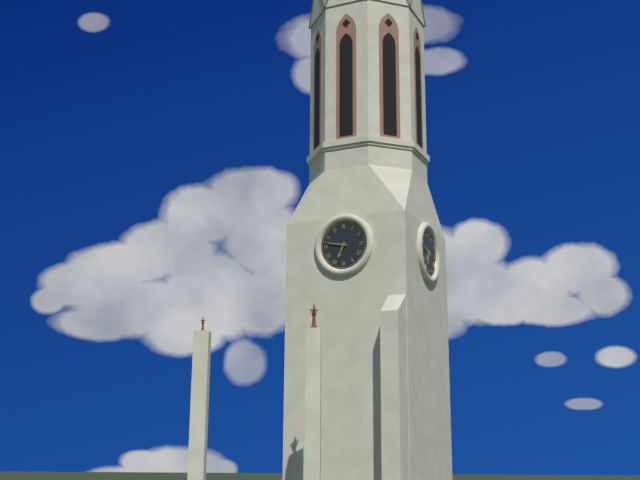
6:47
